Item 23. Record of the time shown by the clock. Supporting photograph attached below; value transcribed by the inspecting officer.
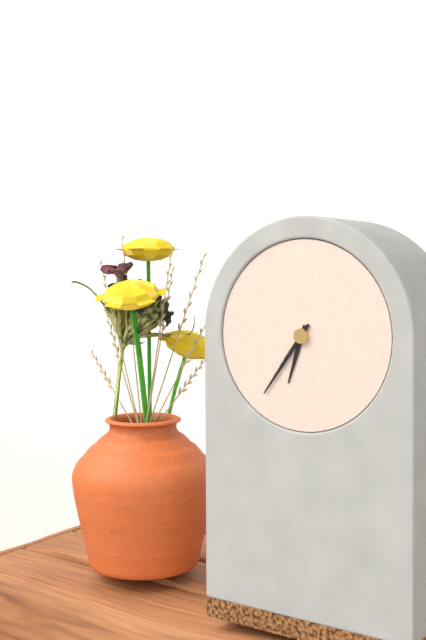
6:36
